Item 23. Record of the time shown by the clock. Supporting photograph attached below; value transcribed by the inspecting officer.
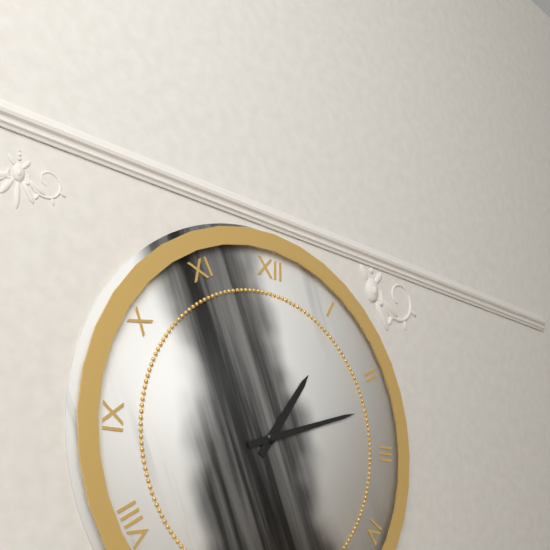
1:12
